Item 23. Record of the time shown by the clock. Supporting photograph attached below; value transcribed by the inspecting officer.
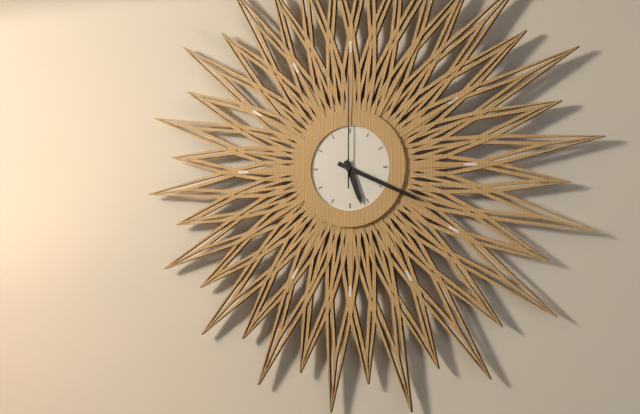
5:19:00
